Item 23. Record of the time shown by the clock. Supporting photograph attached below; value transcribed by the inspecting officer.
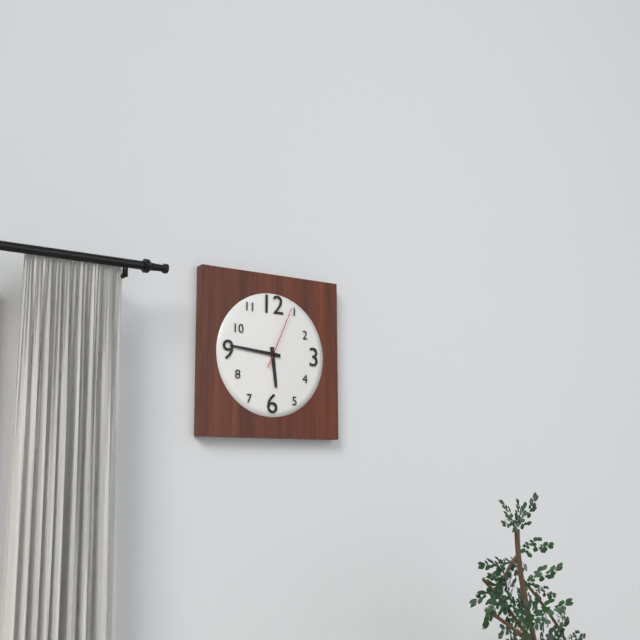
5:46:04
